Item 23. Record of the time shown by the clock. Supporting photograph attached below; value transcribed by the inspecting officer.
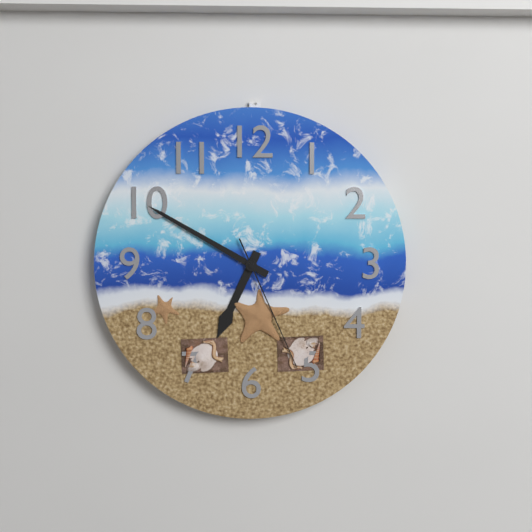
6:50:26
